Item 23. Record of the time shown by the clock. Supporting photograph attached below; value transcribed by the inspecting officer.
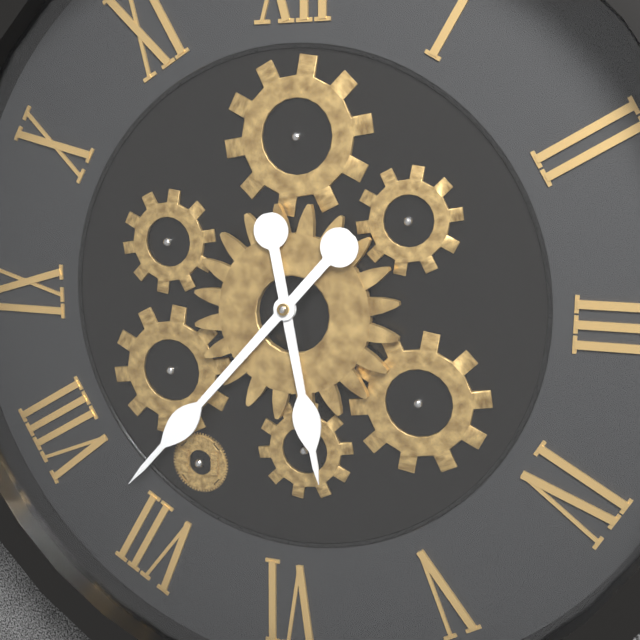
5:37
